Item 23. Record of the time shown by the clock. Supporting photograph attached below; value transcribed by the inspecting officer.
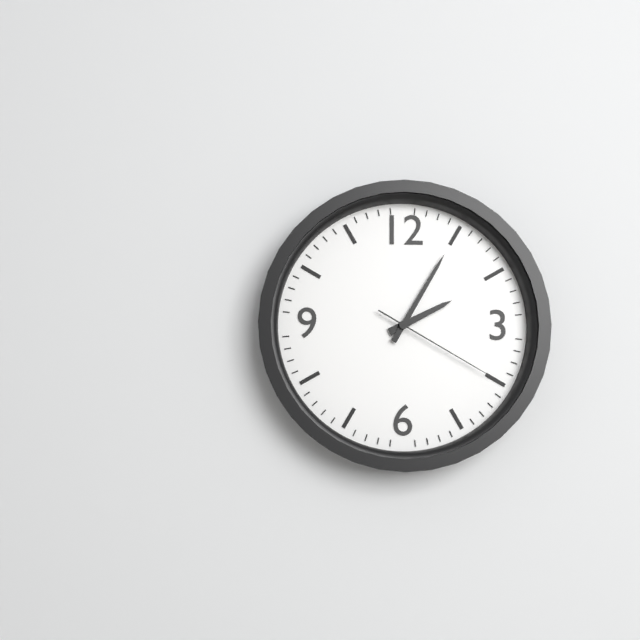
2:05:20
